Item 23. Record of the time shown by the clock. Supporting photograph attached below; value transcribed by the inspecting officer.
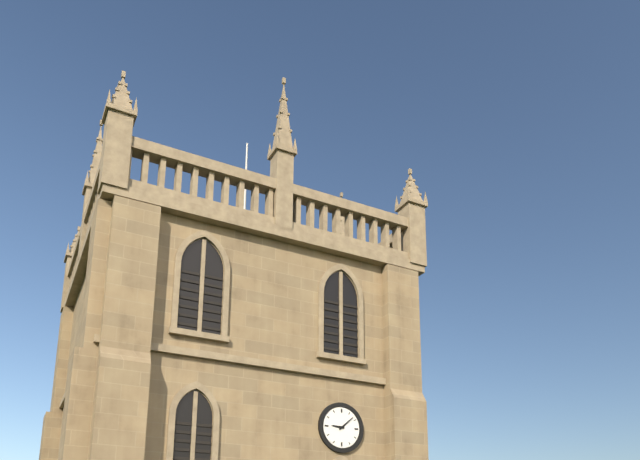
9:08
